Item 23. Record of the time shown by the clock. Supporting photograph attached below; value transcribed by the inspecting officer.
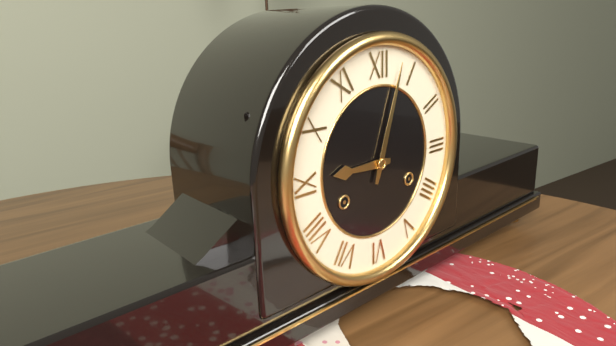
9:03
